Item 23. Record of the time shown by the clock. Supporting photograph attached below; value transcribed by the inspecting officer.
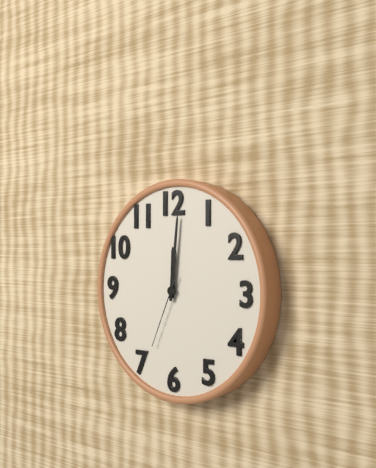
12:01:34
